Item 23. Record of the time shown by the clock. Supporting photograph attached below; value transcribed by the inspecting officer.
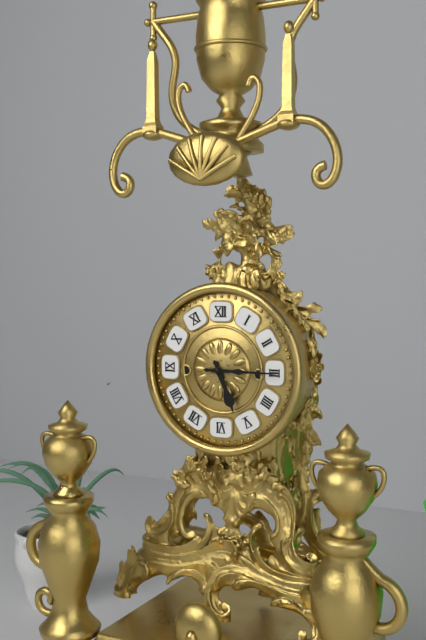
5:15
